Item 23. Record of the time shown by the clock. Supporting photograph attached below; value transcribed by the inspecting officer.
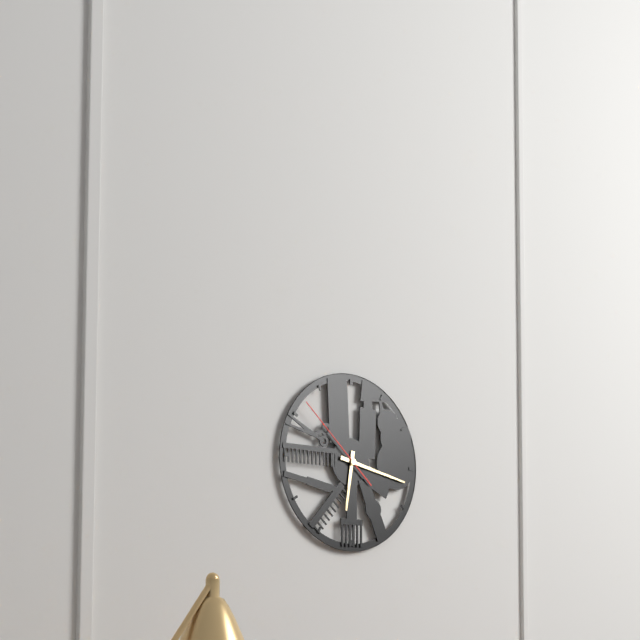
6:17:52
